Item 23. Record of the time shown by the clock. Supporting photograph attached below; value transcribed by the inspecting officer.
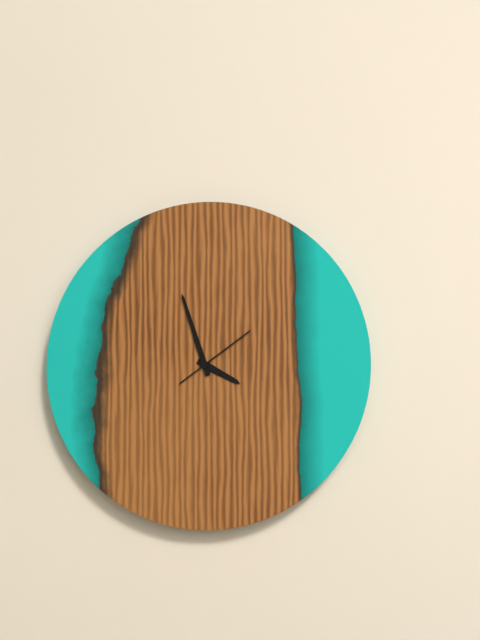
3:57:09
